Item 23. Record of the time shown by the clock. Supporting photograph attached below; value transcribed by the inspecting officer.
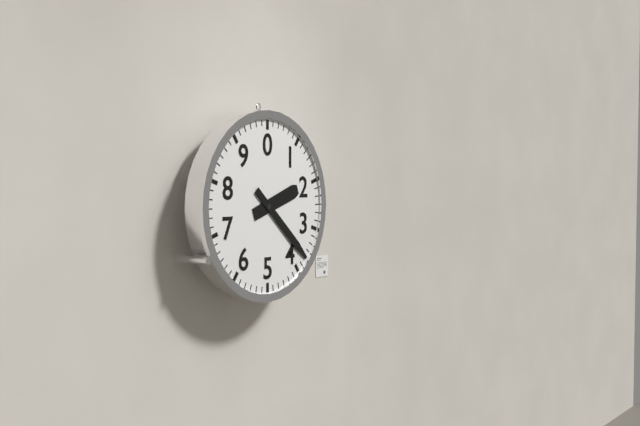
2:22
